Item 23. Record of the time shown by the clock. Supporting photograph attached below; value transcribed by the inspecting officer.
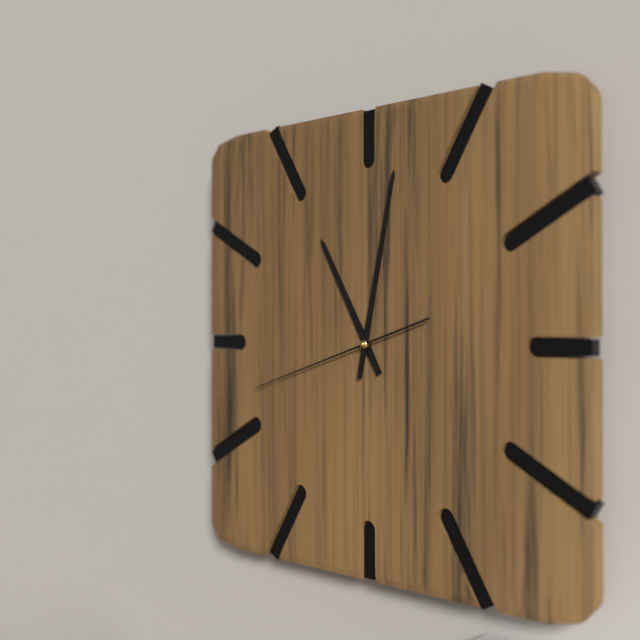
11:02:42
